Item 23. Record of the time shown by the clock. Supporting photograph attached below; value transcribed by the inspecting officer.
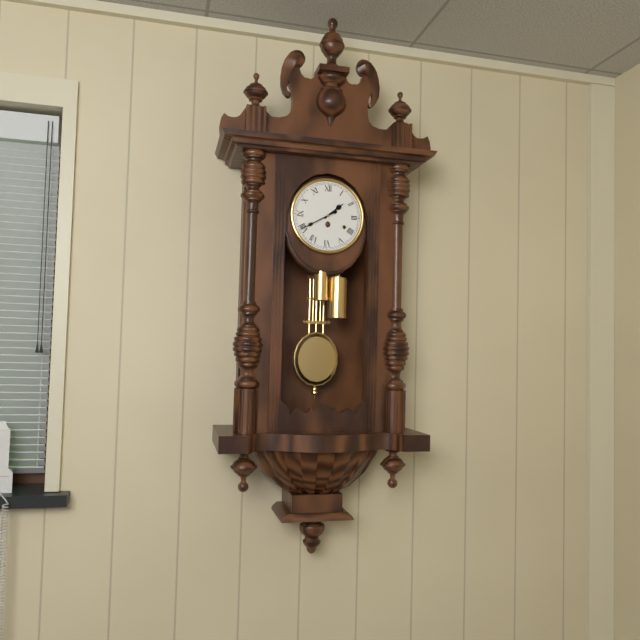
1:40
